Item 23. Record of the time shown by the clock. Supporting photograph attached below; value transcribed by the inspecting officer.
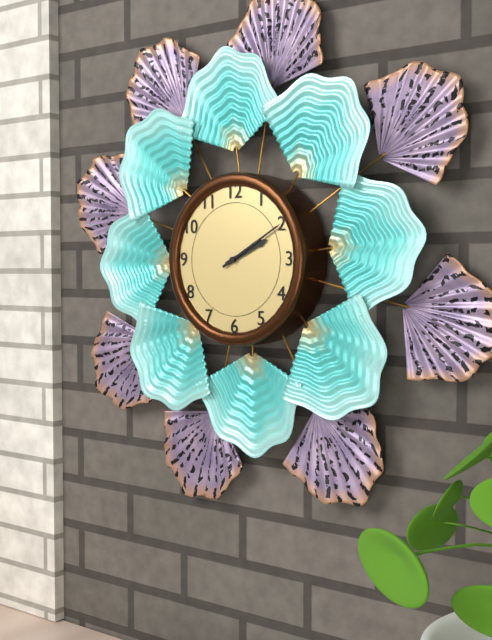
2:10
